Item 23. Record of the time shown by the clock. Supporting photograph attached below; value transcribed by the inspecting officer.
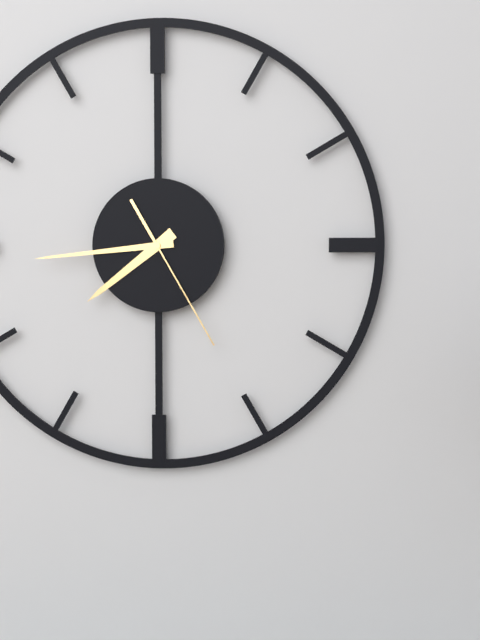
7:44:25
